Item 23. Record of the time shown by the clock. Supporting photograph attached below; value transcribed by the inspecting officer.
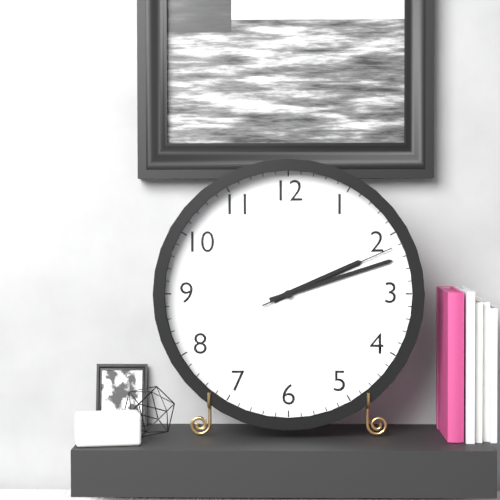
2:12:11
